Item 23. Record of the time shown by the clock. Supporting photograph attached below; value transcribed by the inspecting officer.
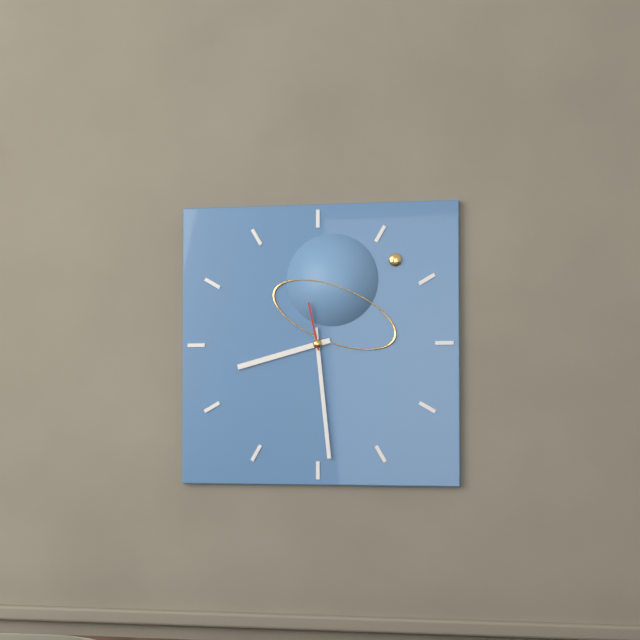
8:29:58
